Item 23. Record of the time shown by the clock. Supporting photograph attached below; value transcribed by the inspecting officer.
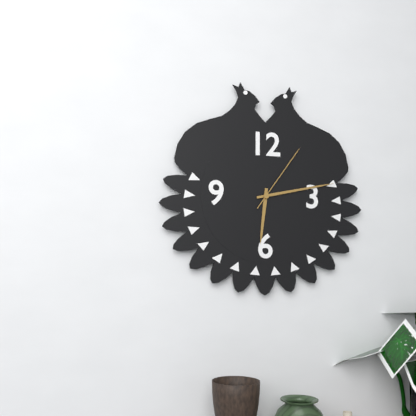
6:13:06
